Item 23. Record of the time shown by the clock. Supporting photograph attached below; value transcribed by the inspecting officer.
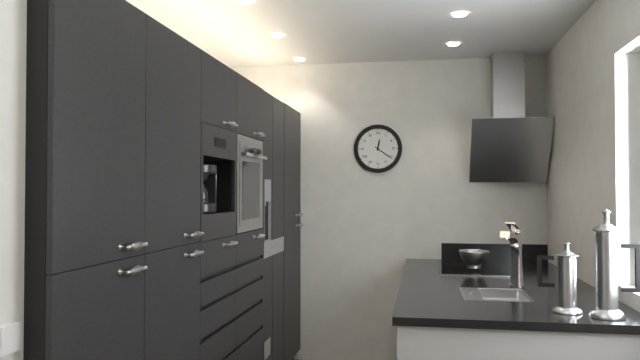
12:21
